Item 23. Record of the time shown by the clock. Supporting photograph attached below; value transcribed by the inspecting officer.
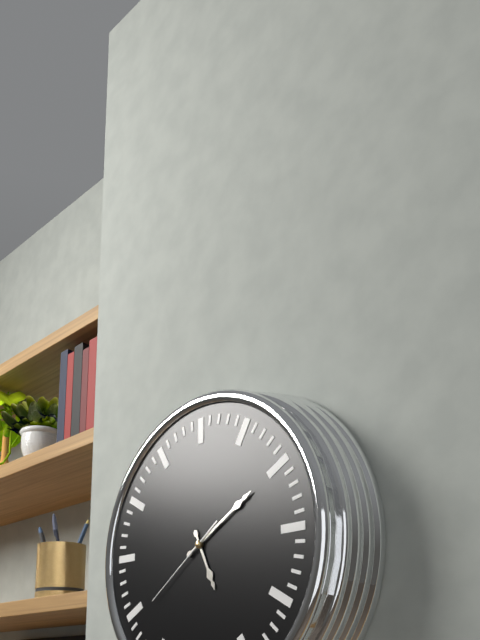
5:10:39
